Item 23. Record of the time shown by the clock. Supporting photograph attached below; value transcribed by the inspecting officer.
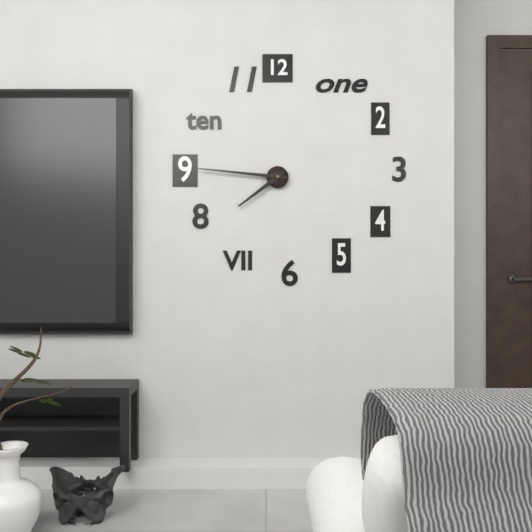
7:46
